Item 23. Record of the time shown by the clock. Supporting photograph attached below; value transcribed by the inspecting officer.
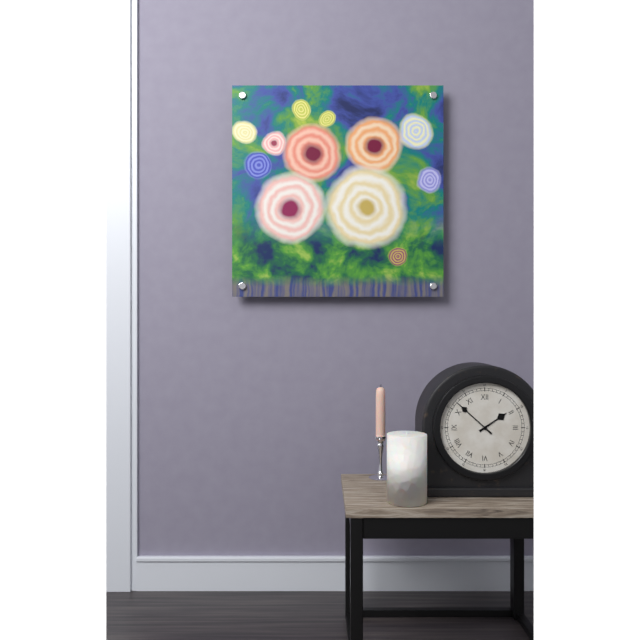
1:52
